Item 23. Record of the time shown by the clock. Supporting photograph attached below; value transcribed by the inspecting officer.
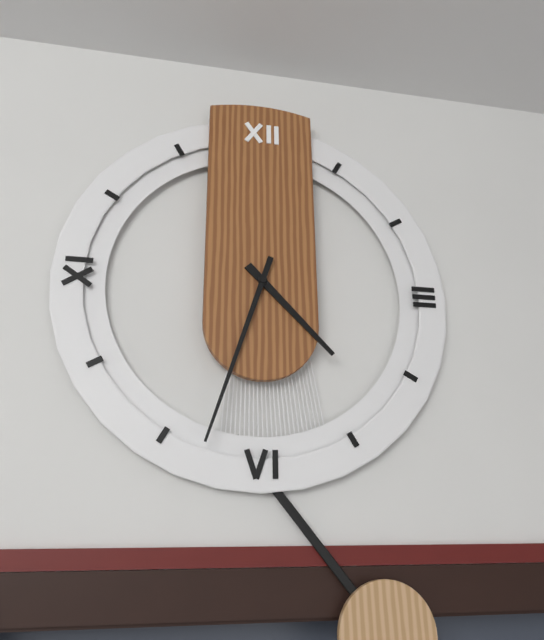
4:33
